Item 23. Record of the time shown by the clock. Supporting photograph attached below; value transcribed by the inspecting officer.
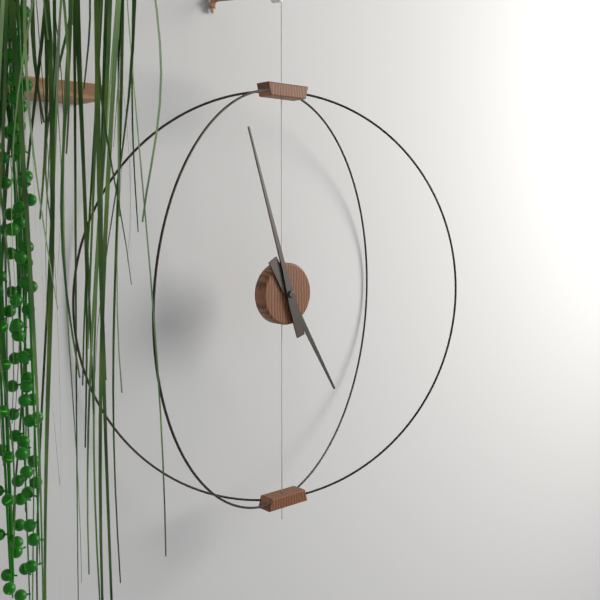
4:57
